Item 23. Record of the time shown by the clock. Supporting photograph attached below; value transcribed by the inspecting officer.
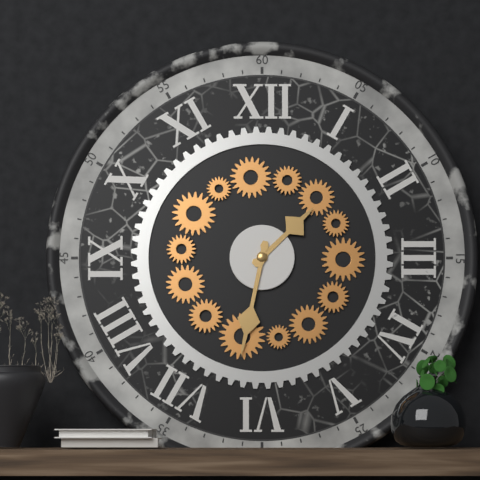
1:32
